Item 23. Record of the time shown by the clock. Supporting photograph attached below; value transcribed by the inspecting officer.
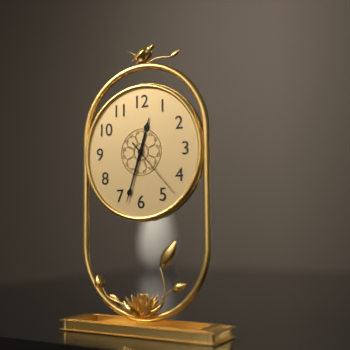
12:33:23
